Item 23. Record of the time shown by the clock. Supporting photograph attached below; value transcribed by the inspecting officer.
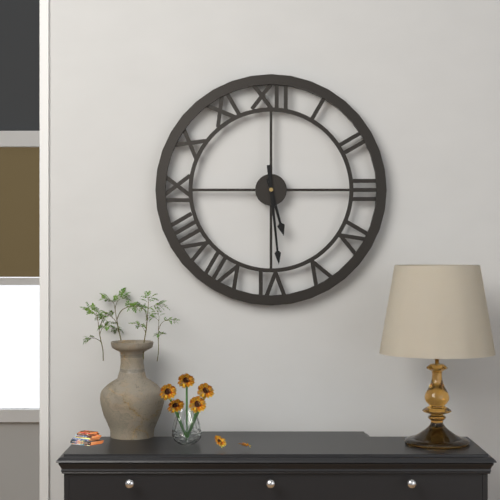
5:29
